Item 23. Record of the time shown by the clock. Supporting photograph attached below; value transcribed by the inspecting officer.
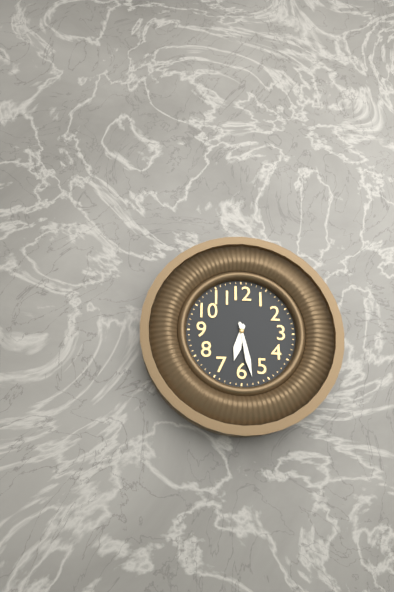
6:28
